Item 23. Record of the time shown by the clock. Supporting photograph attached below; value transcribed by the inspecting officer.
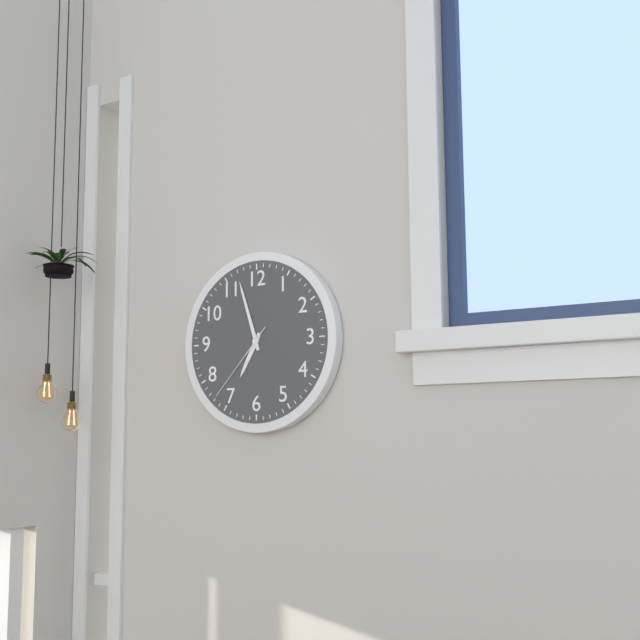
6:57:37
